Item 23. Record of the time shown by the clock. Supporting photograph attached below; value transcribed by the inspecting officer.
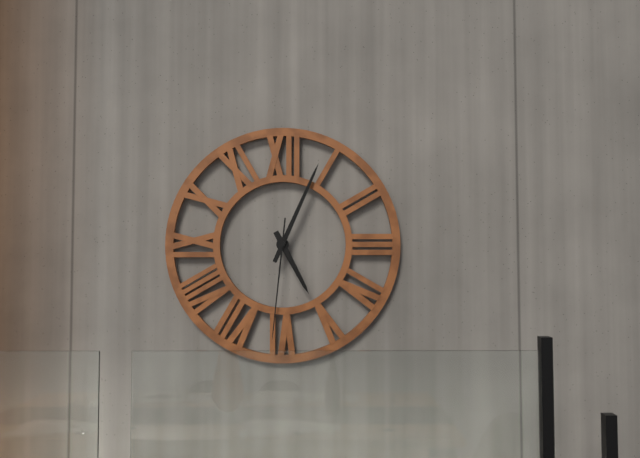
5:04:31
